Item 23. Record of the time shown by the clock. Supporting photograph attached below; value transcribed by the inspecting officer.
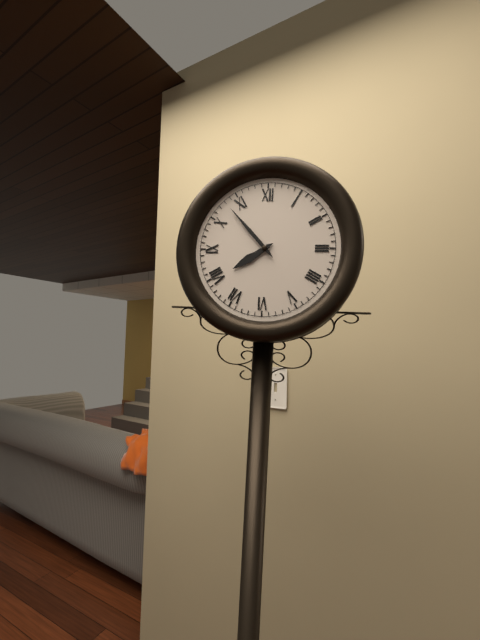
7:53
